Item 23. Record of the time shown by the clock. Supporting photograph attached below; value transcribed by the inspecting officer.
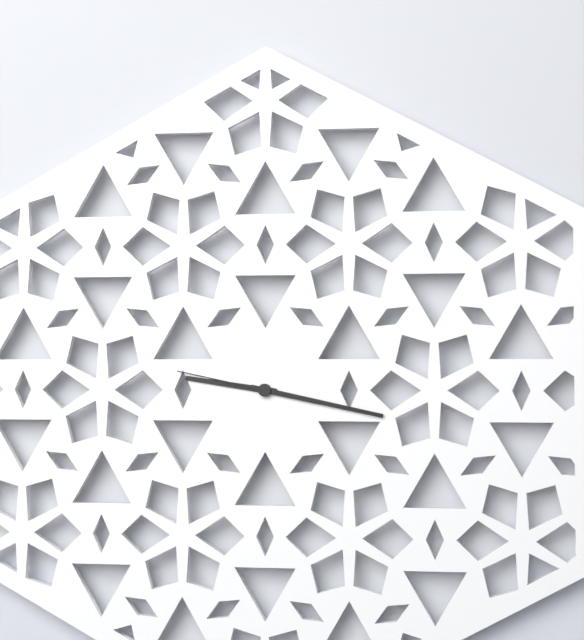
9:17:47
